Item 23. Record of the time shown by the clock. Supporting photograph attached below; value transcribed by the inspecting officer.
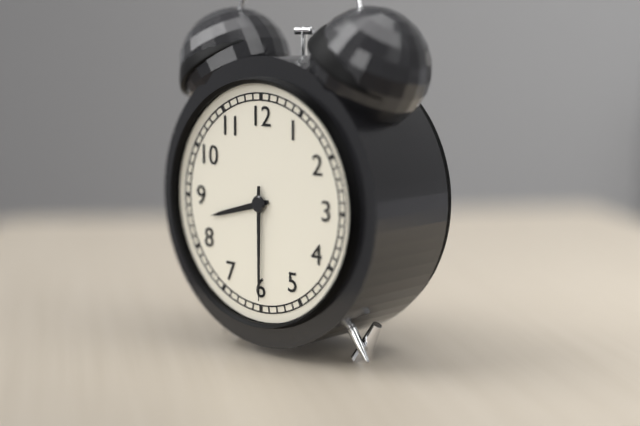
8:30
